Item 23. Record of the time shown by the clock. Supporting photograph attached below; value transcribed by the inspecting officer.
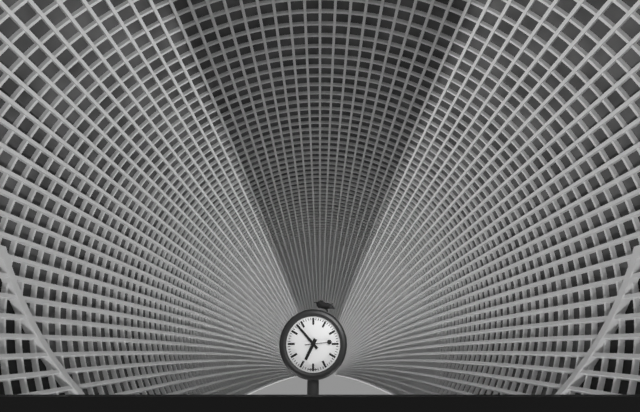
6:53
